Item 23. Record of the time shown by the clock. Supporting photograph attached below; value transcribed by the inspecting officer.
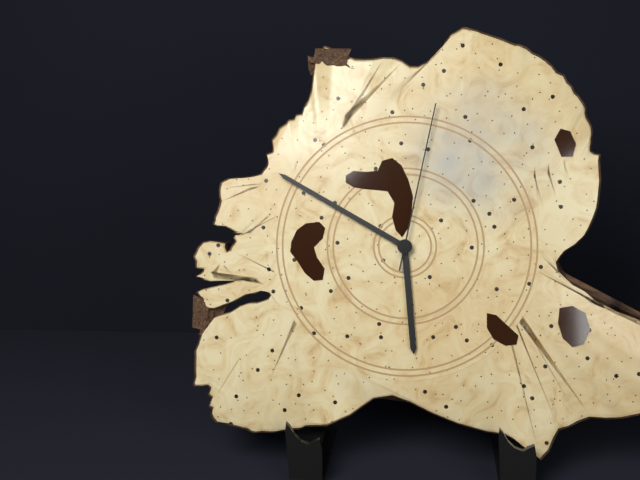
5:50:02
